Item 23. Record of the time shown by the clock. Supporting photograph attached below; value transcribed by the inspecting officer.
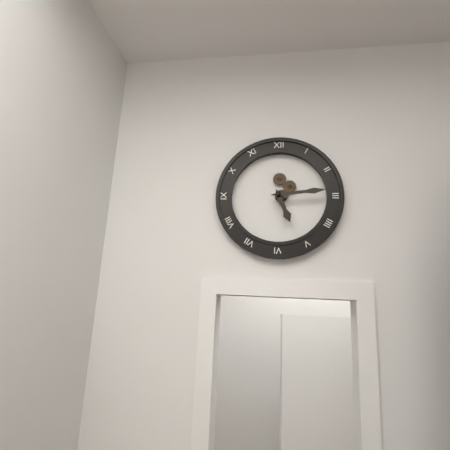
5:14
